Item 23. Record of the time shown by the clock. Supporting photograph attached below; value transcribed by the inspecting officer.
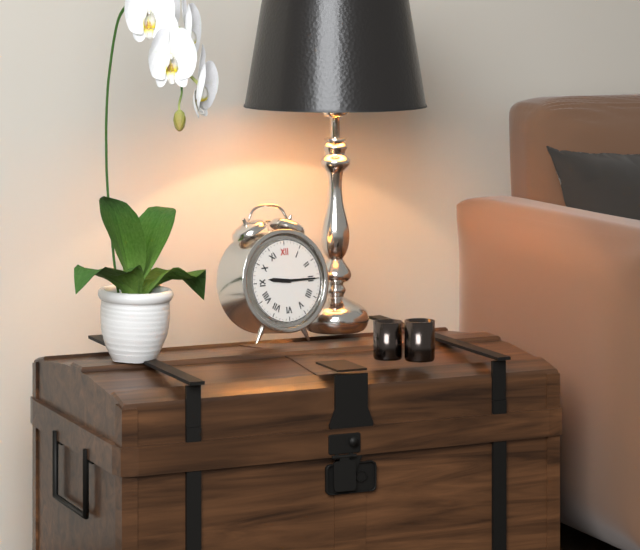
9:15
